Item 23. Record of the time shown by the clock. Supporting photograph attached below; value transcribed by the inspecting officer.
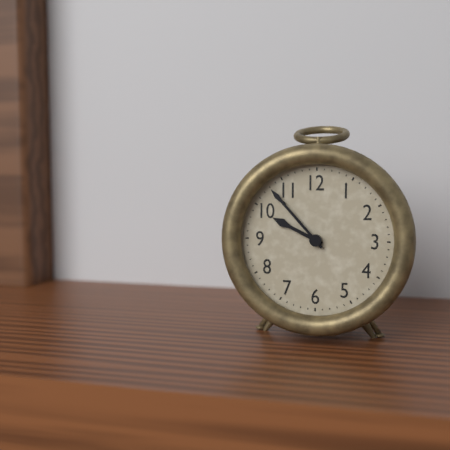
9:53
